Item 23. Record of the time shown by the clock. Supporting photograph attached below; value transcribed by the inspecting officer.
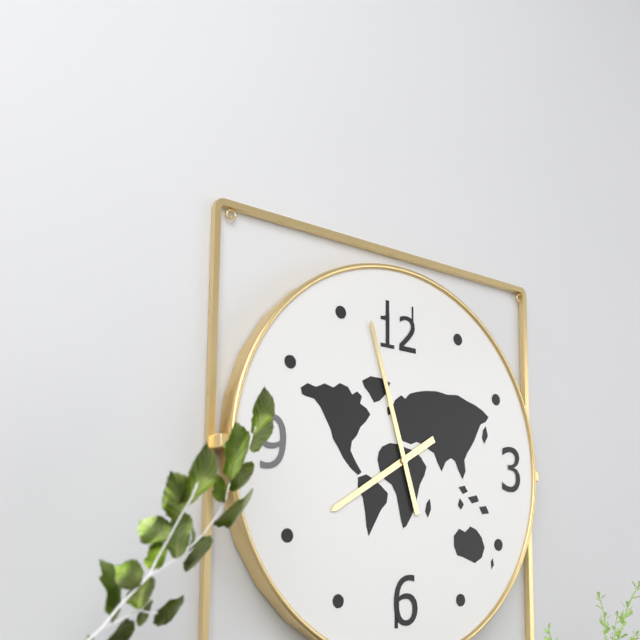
7:57
